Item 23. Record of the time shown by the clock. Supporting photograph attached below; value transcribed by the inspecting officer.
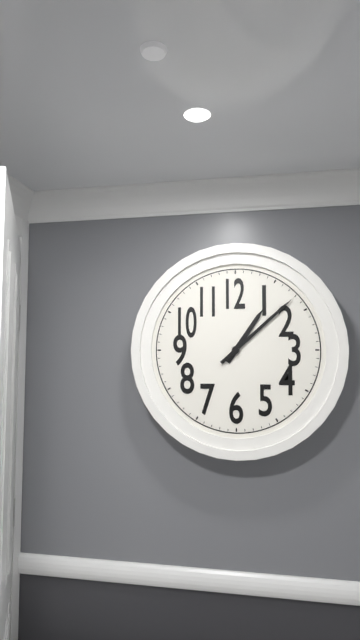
1:08
